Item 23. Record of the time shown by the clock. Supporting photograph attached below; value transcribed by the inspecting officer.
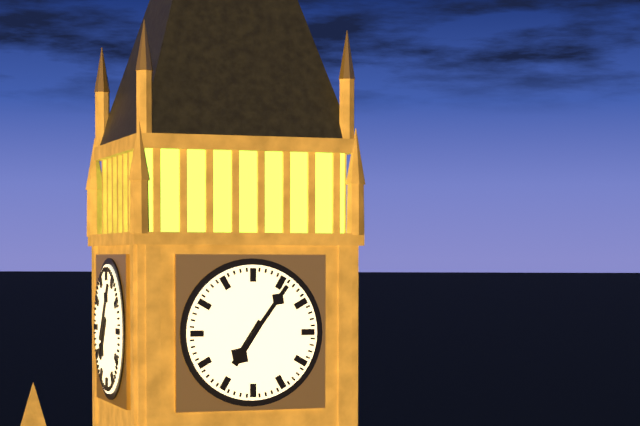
7:06
